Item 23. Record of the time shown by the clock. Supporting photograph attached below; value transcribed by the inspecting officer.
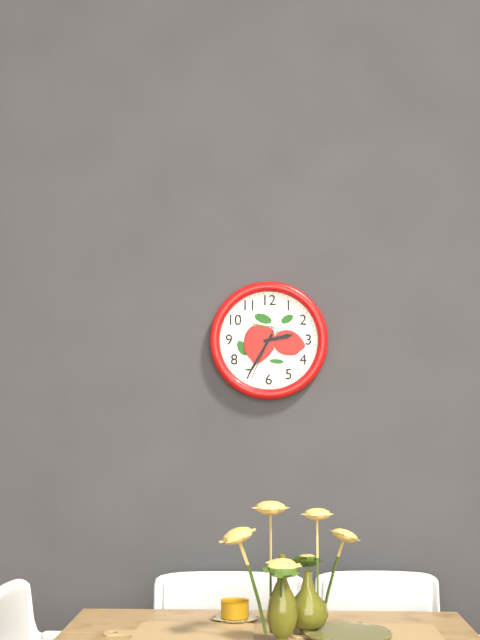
2:35:34
